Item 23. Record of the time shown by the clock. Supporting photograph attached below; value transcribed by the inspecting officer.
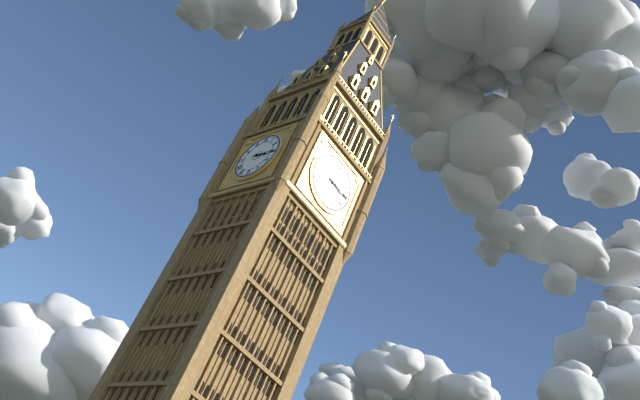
3:15
